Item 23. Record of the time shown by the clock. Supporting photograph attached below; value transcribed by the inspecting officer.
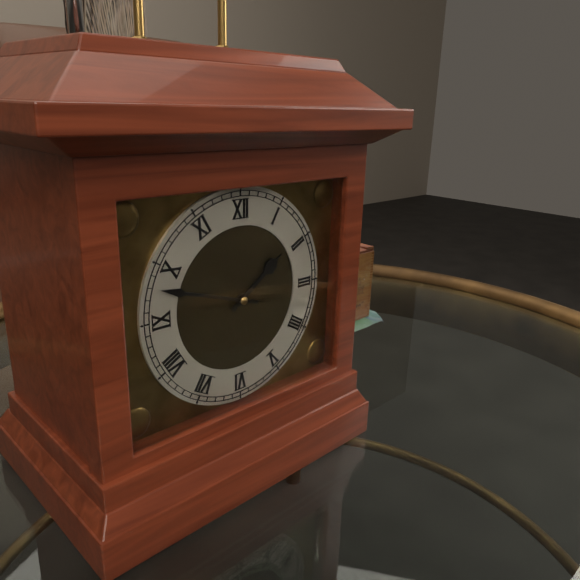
1:48
